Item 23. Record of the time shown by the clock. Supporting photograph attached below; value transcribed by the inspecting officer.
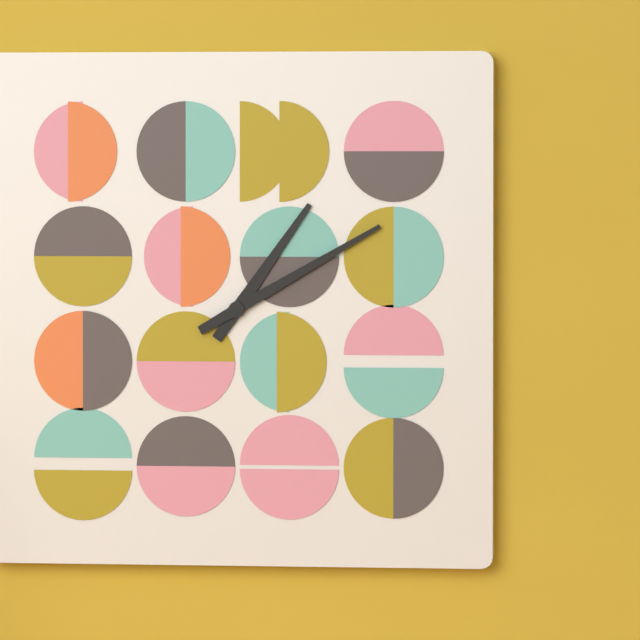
1:10
